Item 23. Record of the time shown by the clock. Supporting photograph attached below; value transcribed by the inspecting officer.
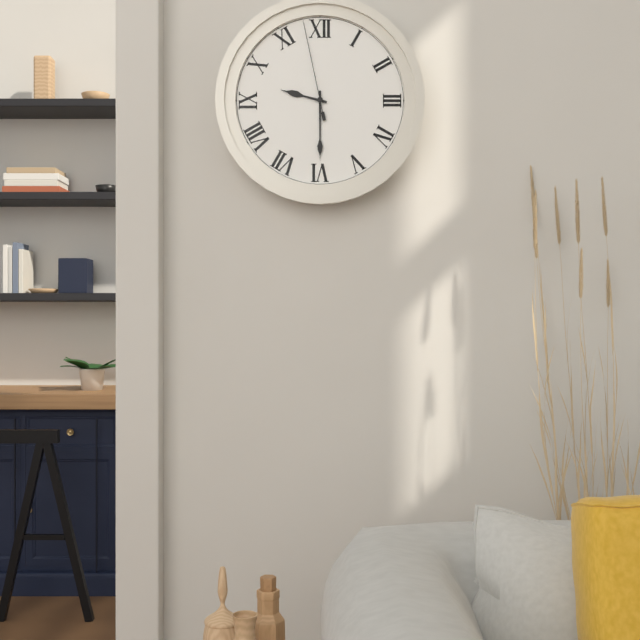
9:30:58
